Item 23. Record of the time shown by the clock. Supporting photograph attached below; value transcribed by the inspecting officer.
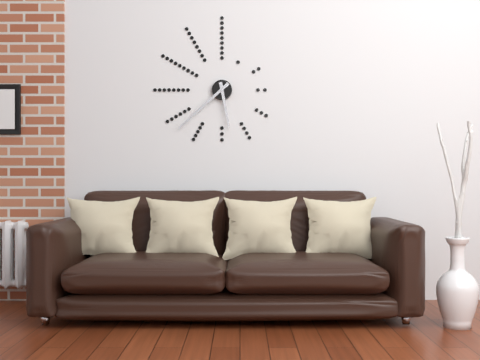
5:38
